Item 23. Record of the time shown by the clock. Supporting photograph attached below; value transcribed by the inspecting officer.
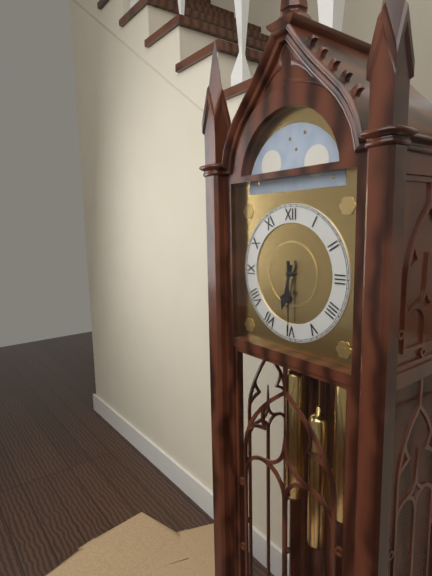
6:30
